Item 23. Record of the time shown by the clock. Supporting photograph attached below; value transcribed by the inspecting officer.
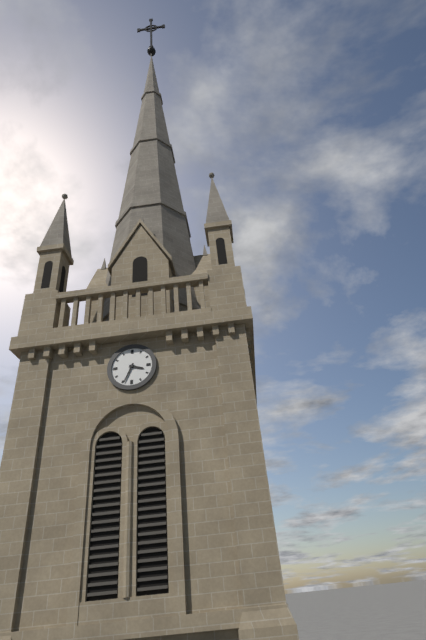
3:34
